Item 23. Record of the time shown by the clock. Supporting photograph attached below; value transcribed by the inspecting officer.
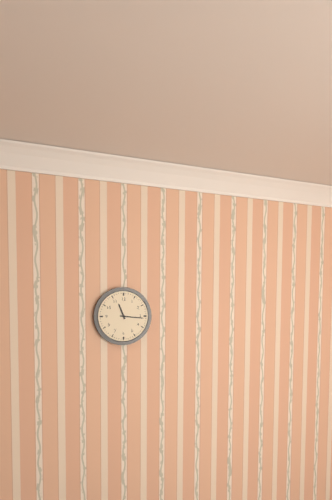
11:16
